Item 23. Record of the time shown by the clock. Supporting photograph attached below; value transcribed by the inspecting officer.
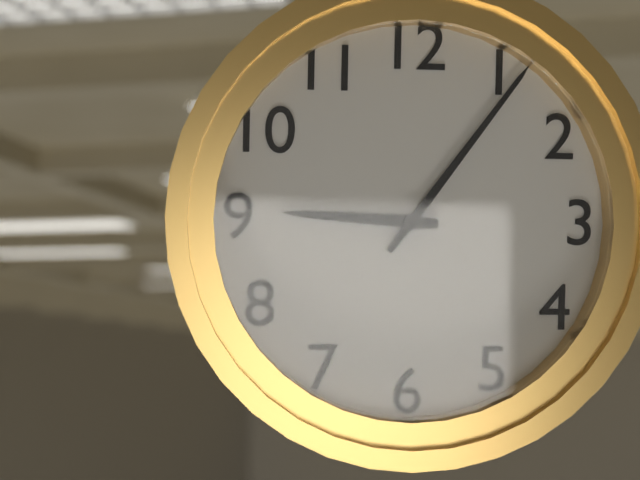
9:06
